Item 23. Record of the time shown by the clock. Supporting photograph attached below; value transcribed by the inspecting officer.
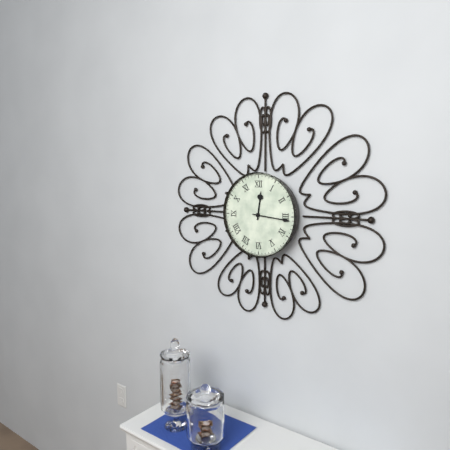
12:16
